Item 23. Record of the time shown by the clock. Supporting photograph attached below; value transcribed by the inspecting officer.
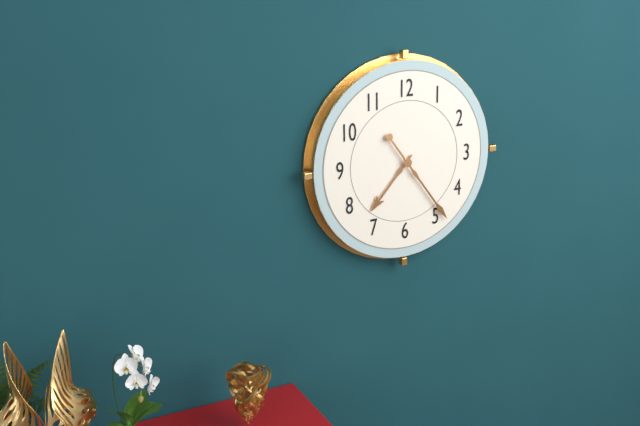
7:24
